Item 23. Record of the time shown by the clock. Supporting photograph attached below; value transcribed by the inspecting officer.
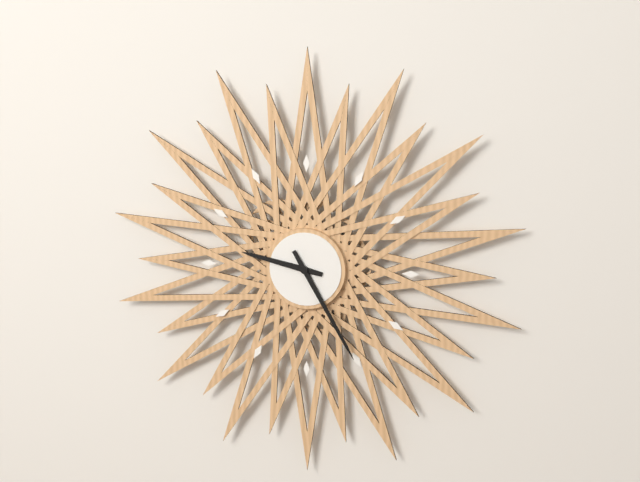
9:25
